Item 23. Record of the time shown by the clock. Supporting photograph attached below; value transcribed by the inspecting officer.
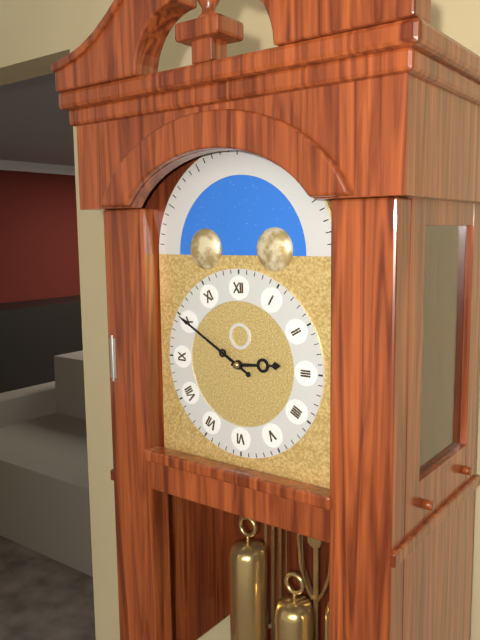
2:50
